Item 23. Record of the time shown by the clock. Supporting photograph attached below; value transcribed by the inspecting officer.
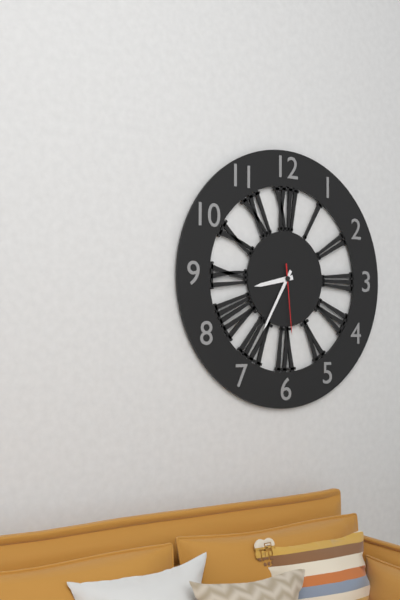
8:35:29
